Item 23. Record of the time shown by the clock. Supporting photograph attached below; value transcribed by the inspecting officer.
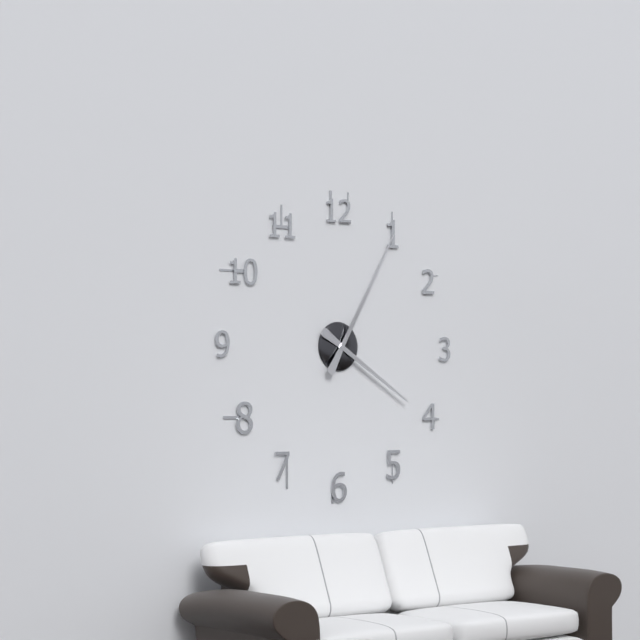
4:05
